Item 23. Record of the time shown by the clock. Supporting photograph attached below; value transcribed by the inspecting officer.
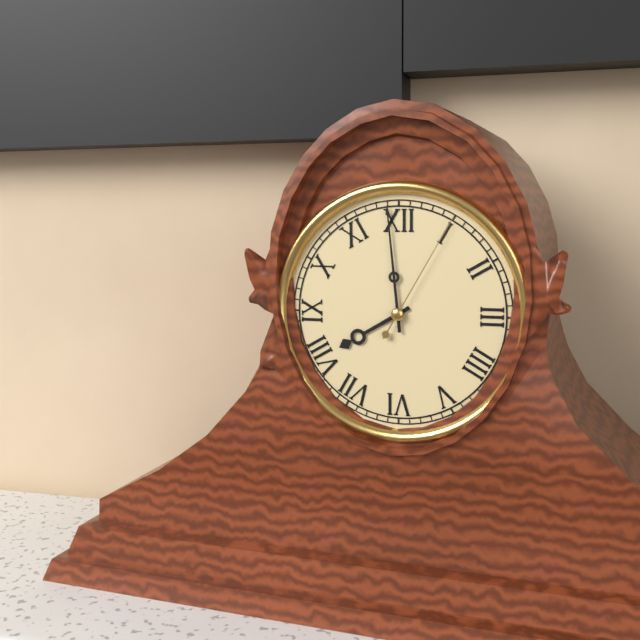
7:59:05
